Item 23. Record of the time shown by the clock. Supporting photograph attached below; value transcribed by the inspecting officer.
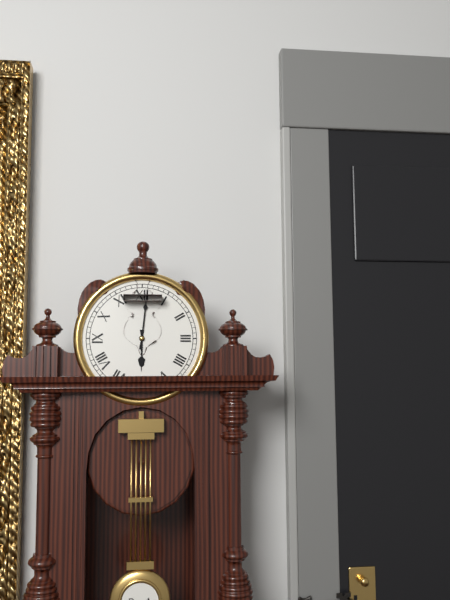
6:01
